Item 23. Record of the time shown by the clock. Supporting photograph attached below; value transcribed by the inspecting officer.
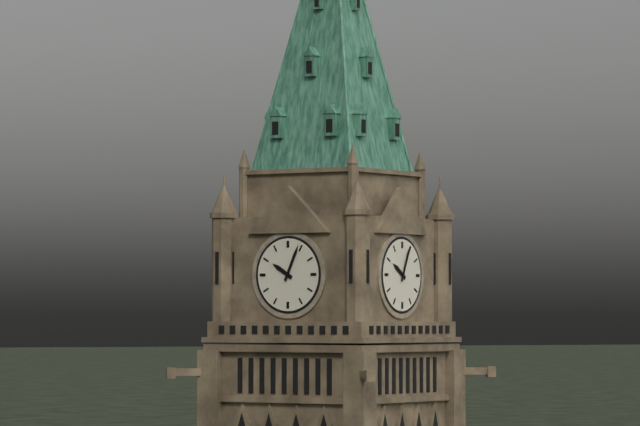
10:04
